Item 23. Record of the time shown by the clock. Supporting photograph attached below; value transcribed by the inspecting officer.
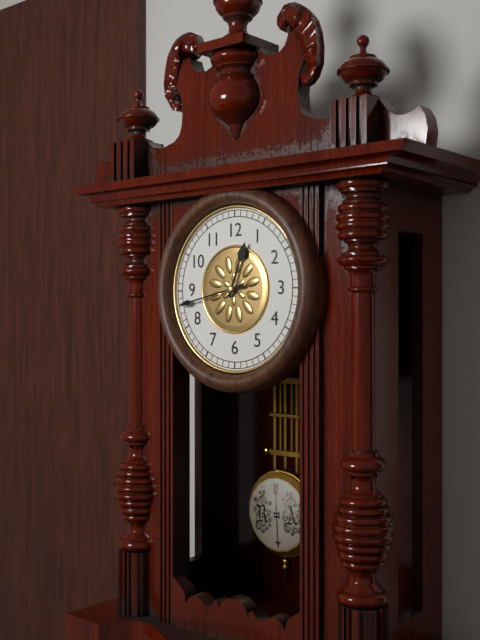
12:43
